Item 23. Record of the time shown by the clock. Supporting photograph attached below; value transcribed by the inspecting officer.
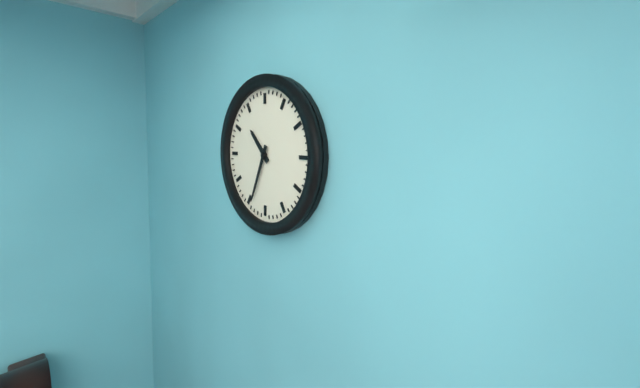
10:34
